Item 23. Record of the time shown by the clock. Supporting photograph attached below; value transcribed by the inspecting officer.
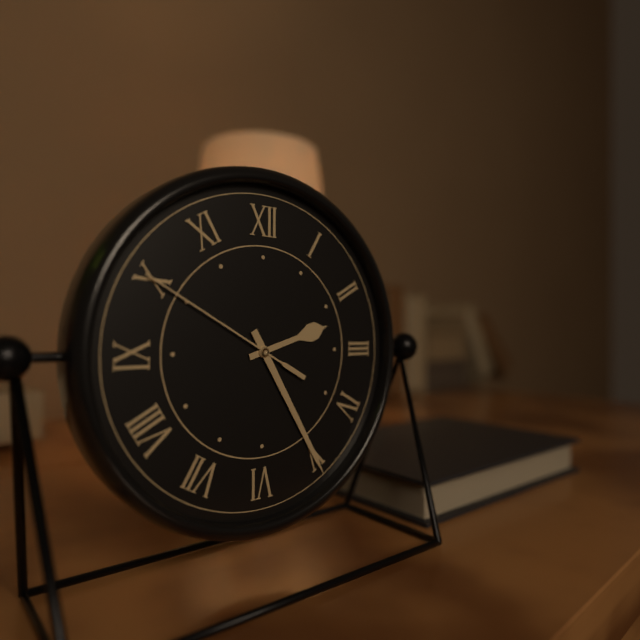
2:25:50
